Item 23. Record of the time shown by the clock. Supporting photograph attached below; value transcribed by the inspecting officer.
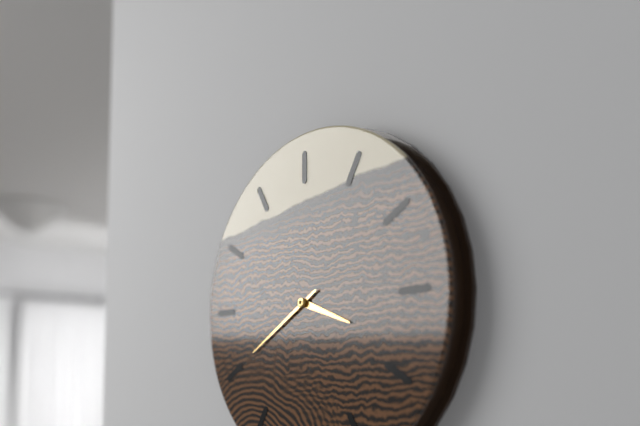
3:40
